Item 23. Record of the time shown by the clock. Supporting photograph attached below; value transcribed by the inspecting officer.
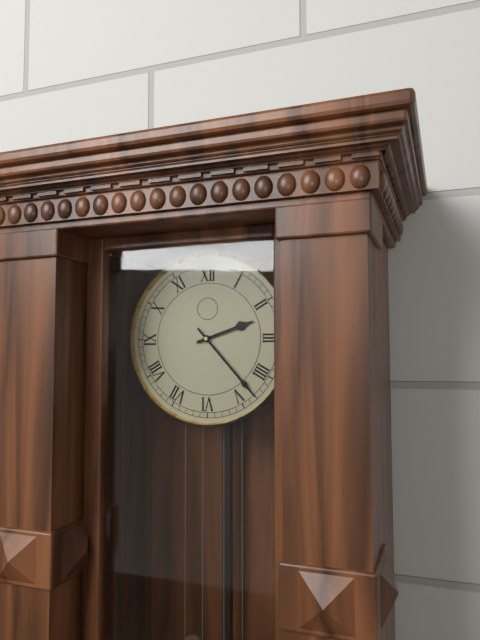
2:23
